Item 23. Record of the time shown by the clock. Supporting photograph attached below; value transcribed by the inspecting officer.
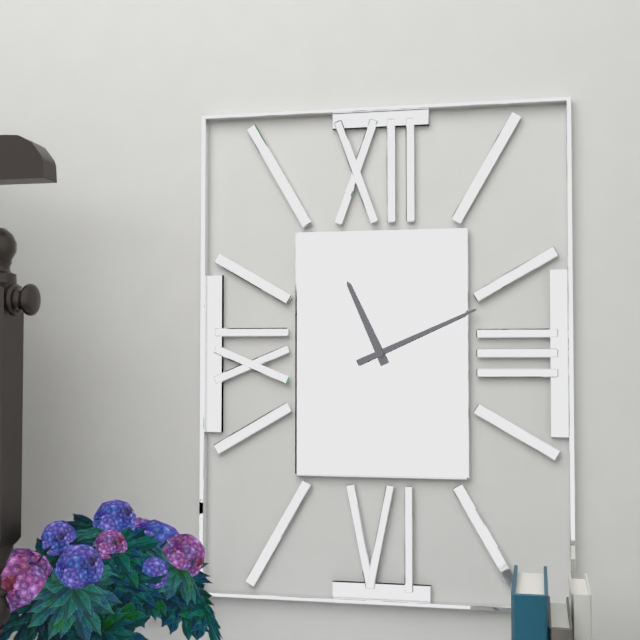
11:11
